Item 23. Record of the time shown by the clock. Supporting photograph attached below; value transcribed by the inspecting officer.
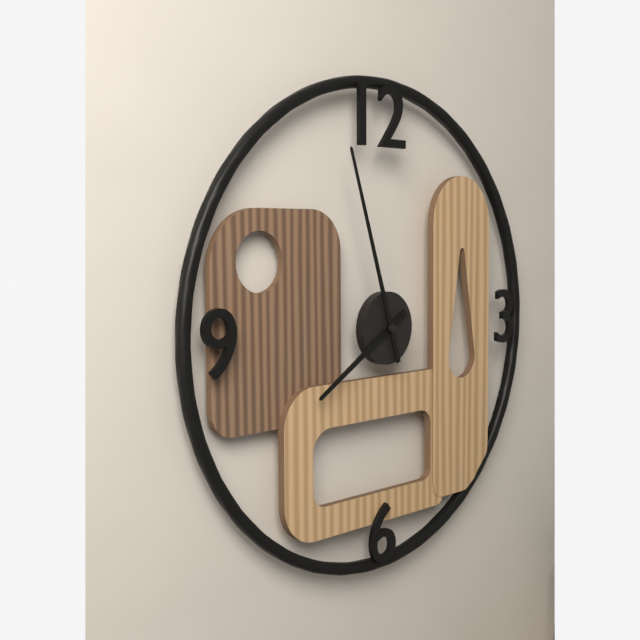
7:57
